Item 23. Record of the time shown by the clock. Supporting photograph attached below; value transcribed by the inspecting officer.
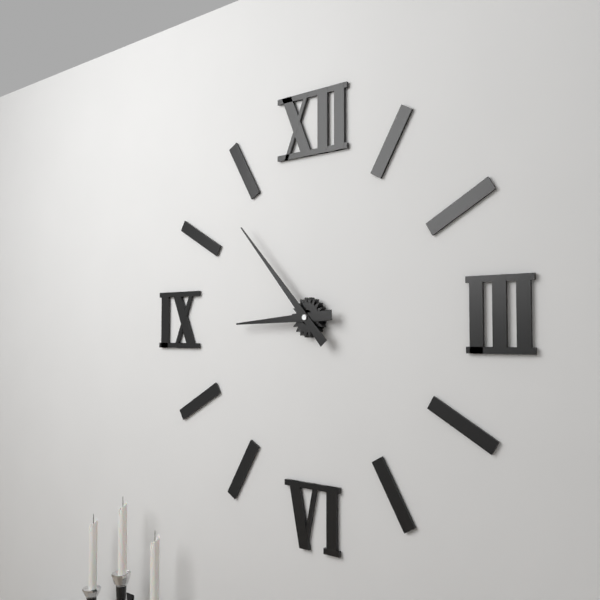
8:53
